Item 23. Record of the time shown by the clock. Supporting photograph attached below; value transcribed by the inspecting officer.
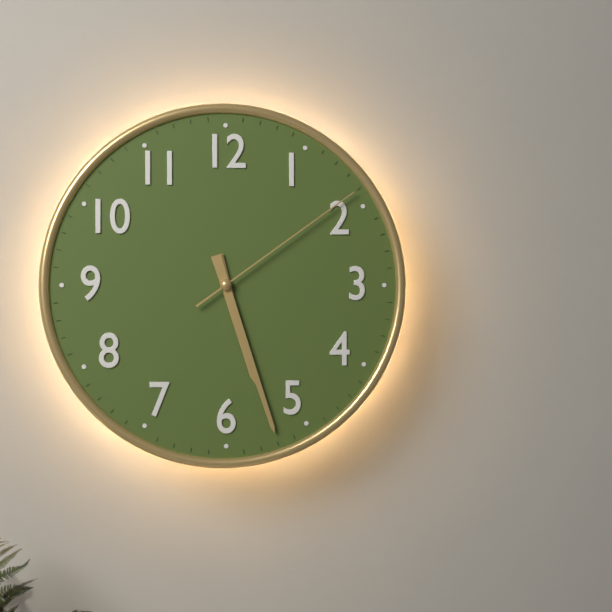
5:27:09
